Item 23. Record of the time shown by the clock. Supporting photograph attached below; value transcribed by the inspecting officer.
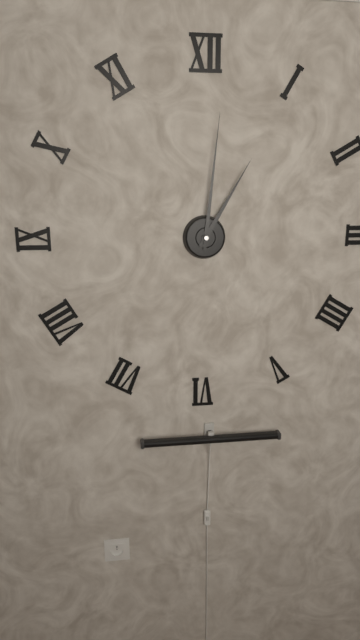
1:01
